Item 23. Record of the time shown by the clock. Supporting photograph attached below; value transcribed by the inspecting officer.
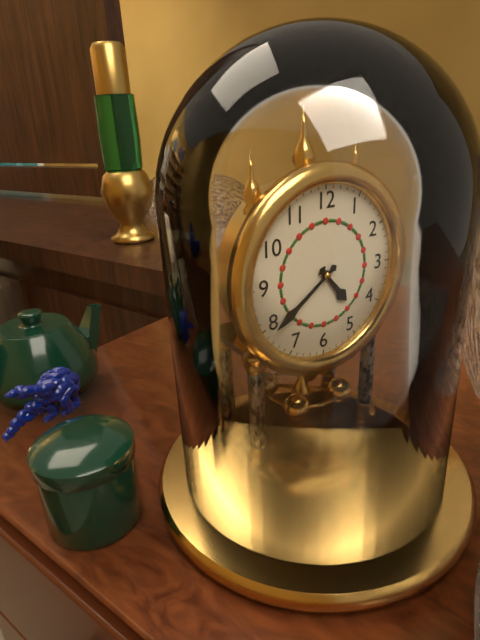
4:39
